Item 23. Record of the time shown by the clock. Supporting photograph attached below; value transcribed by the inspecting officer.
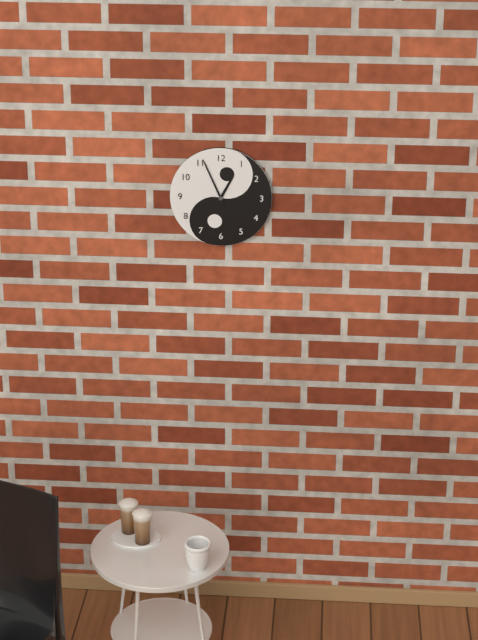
12:56
